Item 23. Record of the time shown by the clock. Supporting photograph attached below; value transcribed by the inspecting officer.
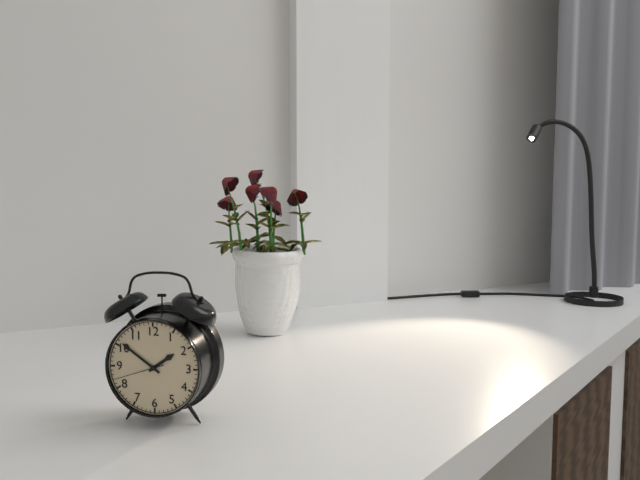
1:51:42
